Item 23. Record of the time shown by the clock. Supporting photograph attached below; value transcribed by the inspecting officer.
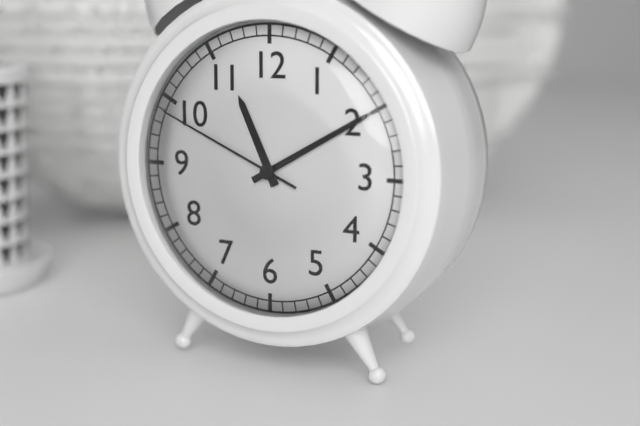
11:10:49
